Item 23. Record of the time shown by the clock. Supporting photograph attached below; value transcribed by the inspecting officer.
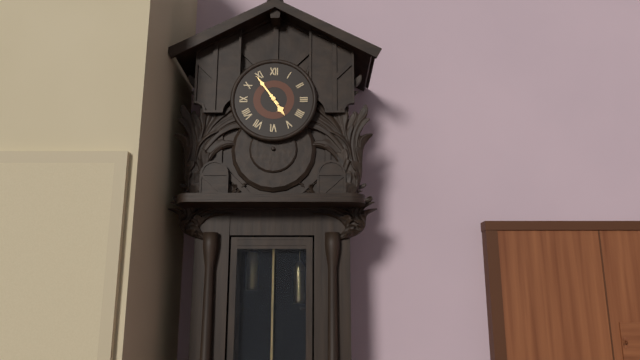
4:54
